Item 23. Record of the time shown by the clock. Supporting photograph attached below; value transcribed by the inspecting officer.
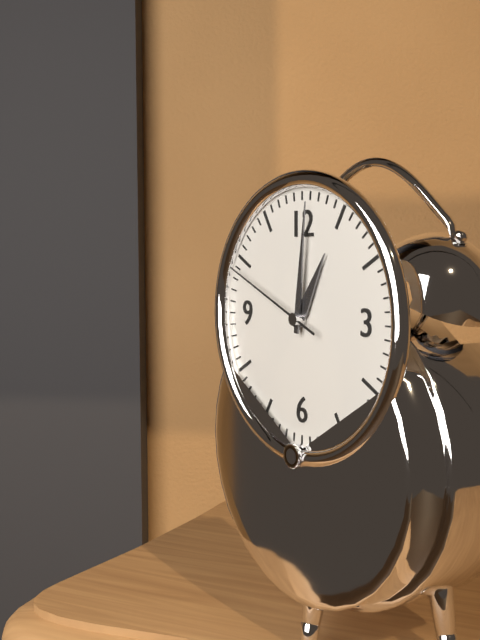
1:01:49
